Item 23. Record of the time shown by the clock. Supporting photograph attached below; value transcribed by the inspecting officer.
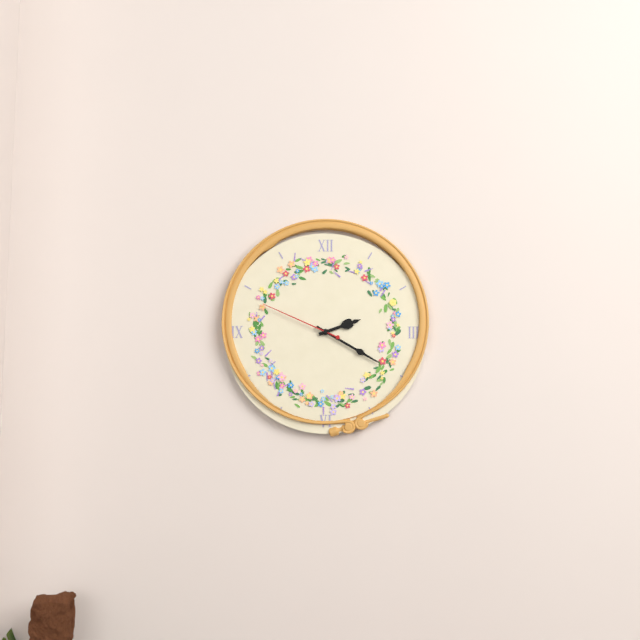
2:20:49
